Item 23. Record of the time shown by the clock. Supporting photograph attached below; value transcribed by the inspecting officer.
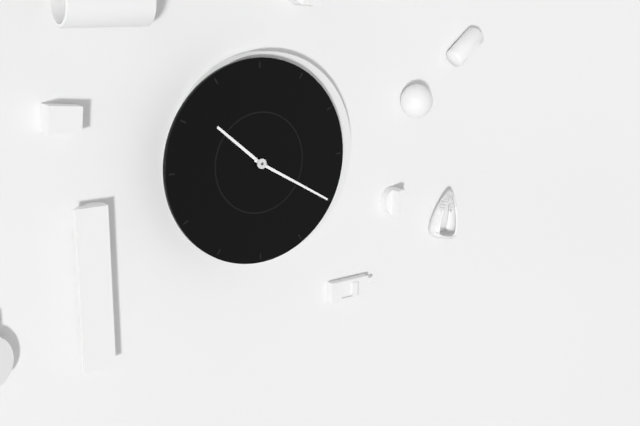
10:20
